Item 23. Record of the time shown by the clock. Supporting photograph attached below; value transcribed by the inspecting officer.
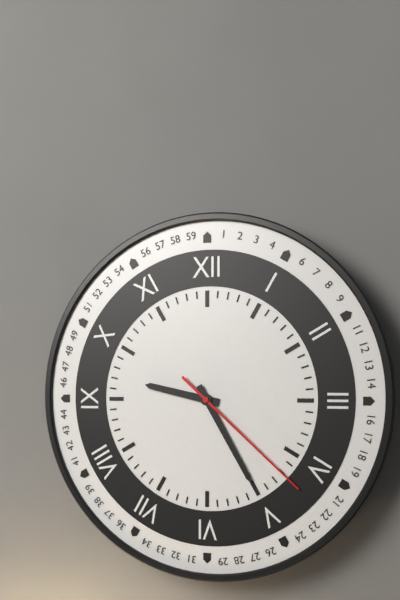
9:25:22
